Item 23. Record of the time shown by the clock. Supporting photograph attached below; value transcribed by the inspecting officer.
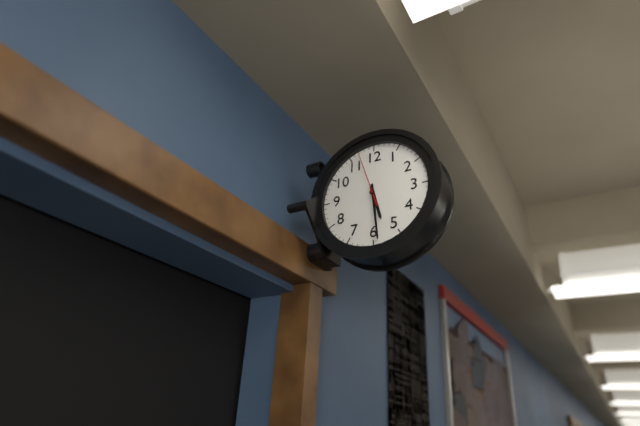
5:29:57
